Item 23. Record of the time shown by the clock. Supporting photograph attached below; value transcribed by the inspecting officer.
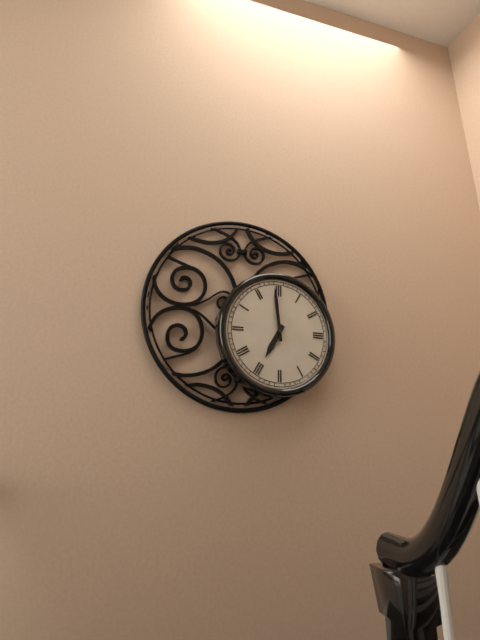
6:59
